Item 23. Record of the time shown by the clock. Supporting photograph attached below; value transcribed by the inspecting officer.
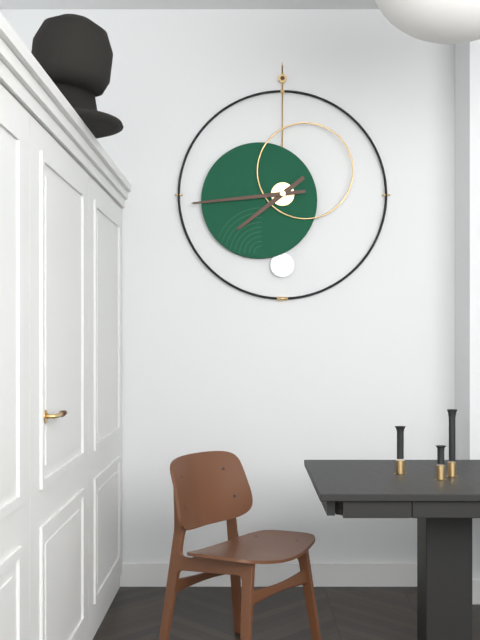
7:44
